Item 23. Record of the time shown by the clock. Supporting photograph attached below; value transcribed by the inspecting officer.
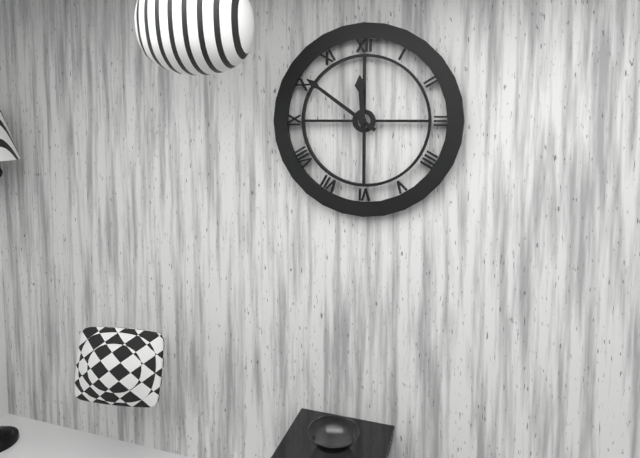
11:51
